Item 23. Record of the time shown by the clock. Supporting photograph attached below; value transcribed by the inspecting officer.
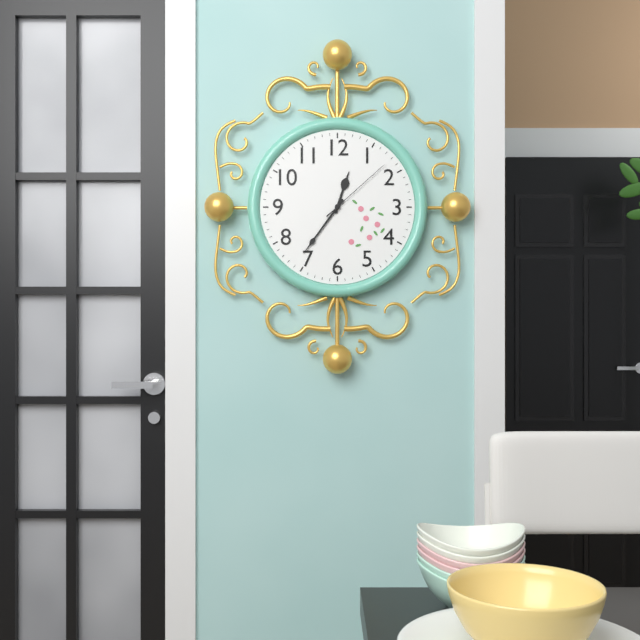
12:36:08
